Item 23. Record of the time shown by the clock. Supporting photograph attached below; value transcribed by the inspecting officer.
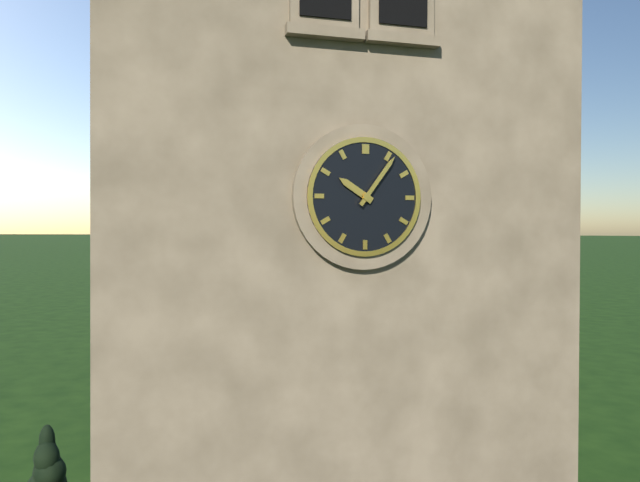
10:06
